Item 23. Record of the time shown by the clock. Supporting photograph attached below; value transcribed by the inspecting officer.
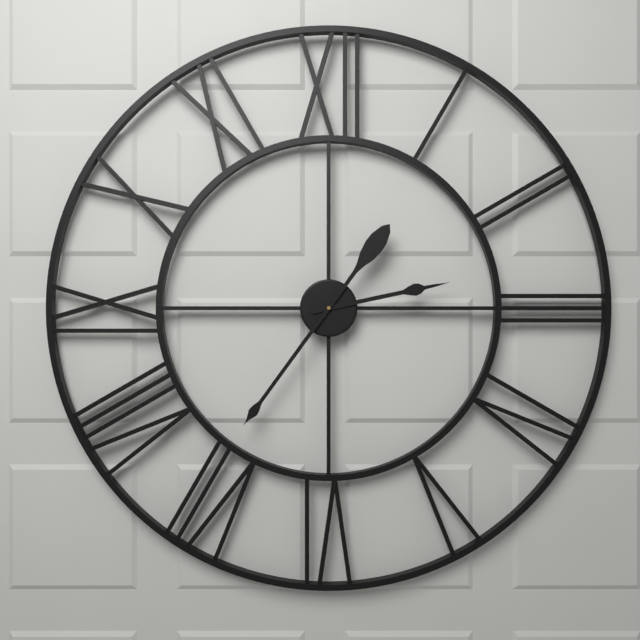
2:36
